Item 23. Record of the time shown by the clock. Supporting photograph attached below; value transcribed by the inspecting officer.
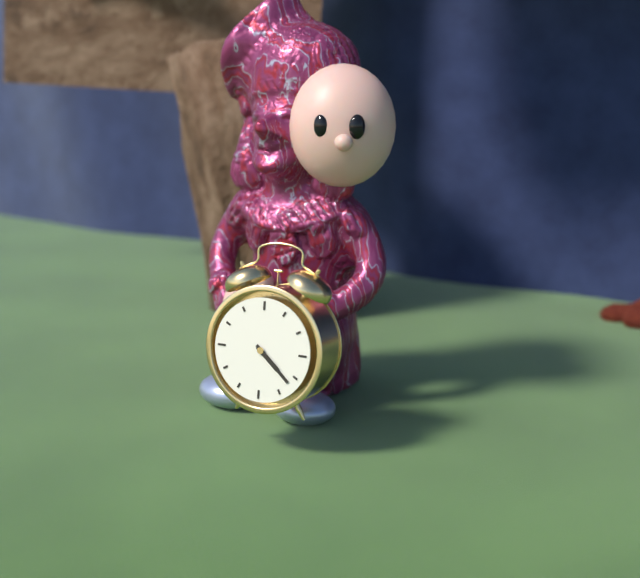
4:22
